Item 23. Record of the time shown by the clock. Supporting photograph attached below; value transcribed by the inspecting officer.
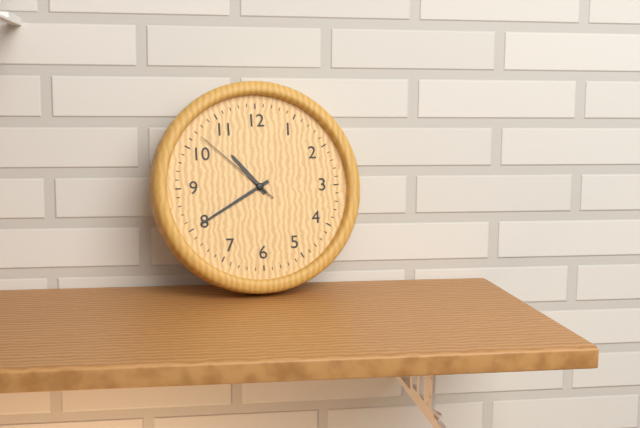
10:40:52
